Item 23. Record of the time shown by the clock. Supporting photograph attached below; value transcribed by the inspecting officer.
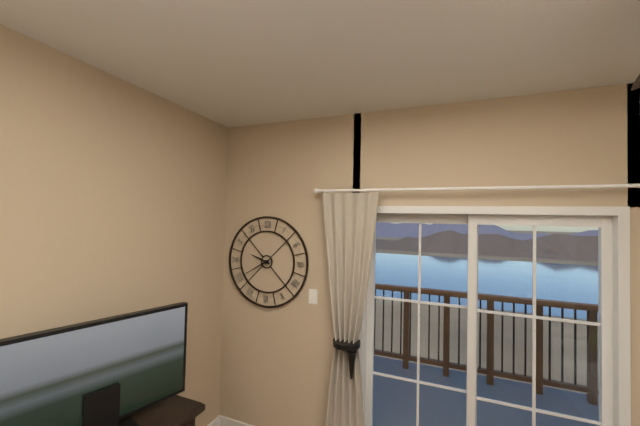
9:40
